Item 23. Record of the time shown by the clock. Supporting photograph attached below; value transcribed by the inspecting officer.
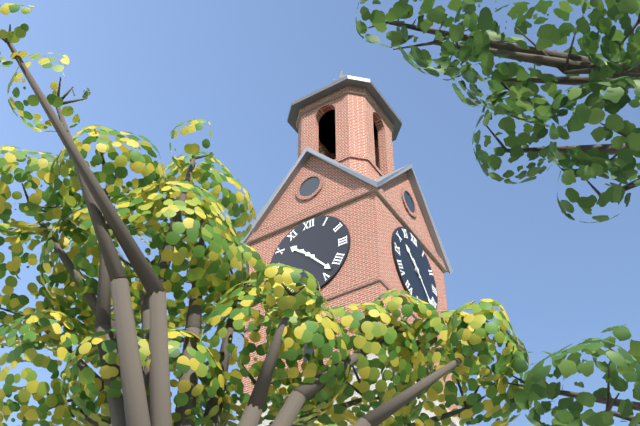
10:23
